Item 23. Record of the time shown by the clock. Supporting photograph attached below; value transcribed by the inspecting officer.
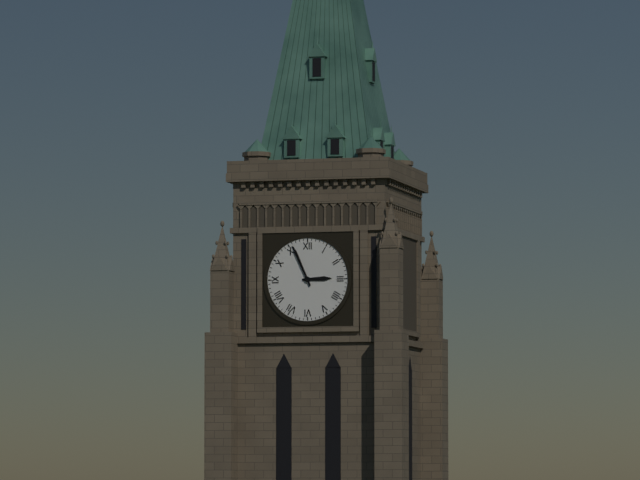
2:56
